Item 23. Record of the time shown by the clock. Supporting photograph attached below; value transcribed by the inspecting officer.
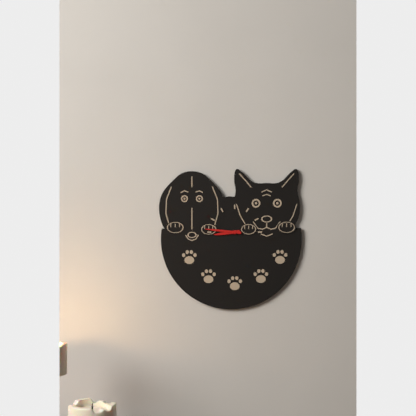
8:46
